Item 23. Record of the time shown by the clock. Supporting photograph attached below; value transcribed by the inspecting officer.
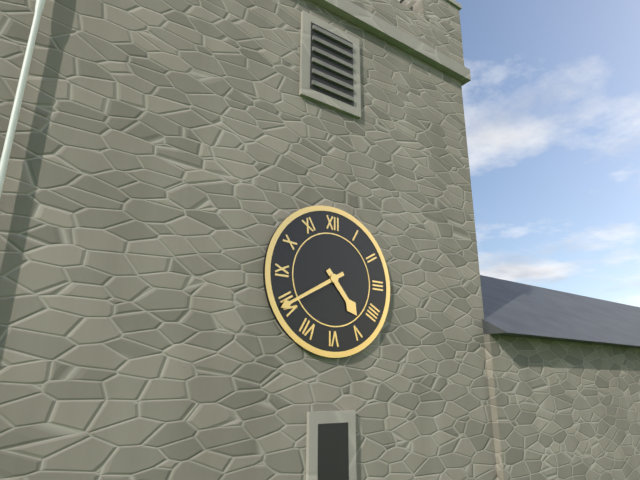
4:40
